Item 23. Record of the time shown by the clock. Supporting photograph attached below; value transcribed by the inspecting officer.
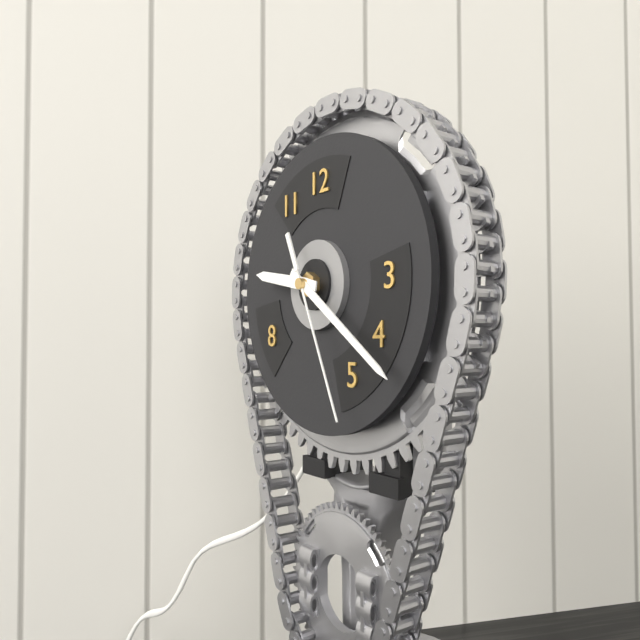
9:21:26
